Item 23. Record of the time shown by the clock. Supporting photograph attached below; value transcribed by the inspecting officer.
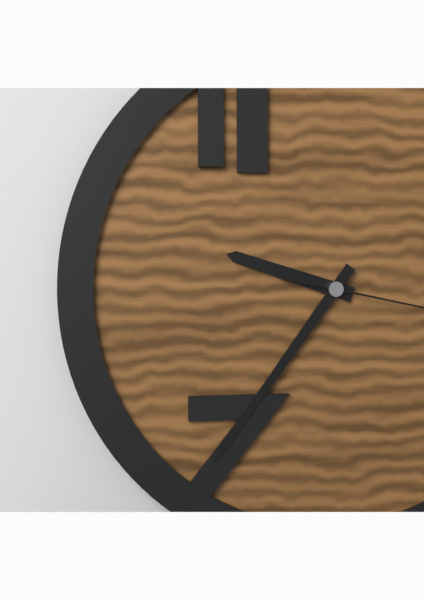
9:36
